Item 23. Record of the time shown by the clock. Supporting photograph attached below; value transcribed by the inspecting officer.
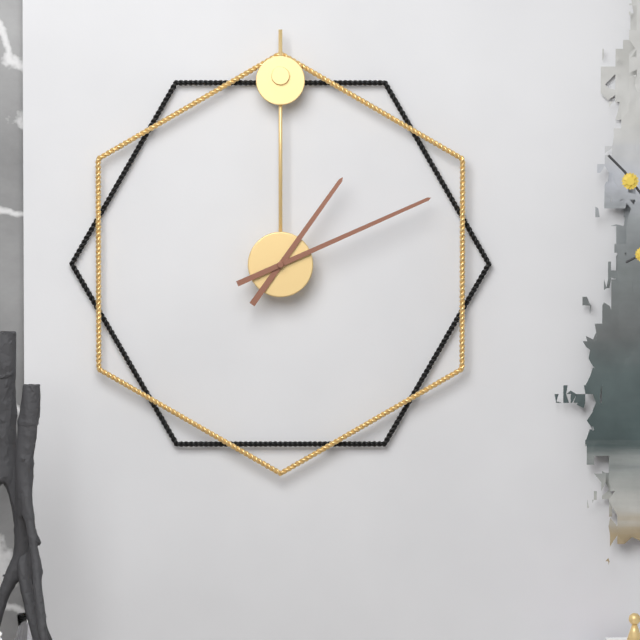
1:11
